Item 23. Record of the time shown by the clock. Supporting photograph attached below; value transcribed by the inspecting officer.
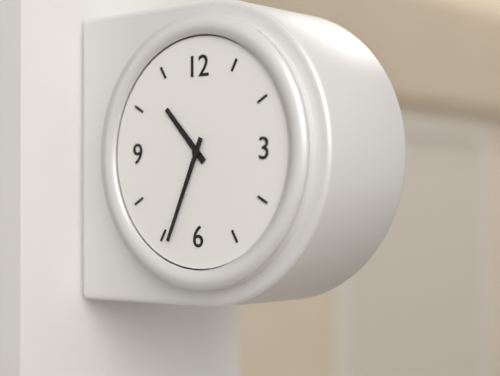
10:34
